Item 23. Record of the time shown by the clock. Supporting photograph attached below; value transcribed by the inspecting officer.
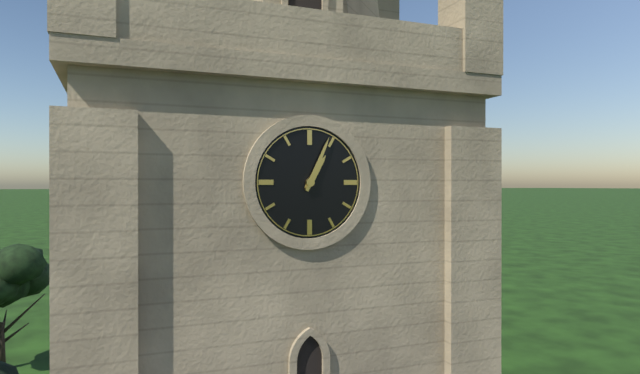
1:04
